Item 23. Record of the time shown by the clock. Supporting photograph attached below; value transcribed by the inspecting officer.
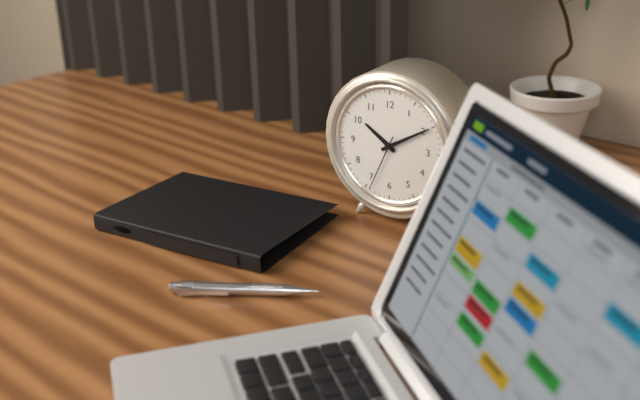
10:10:34
